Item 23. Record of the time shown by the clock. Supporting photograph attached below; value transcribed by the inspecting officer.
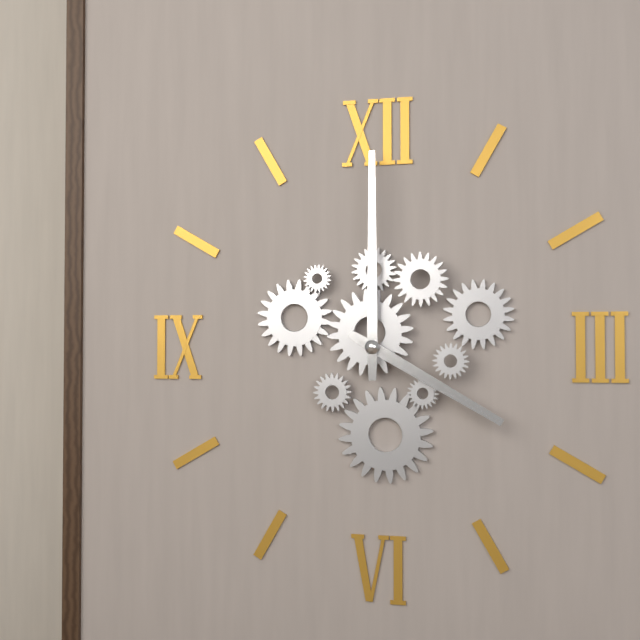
4:00
